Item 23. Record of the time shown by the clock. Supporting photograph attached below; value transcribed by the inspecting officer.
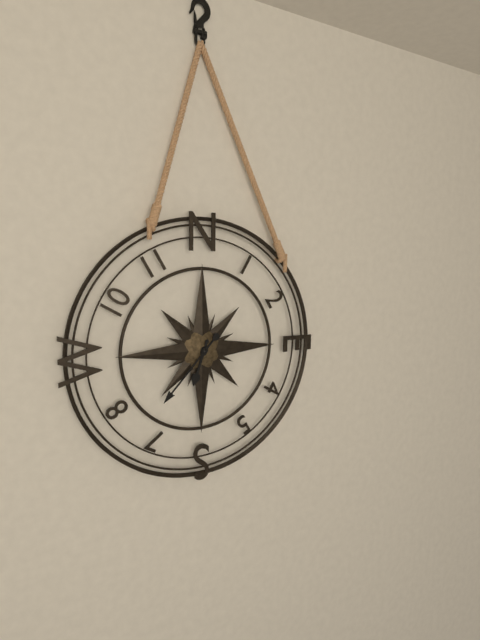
6:37
